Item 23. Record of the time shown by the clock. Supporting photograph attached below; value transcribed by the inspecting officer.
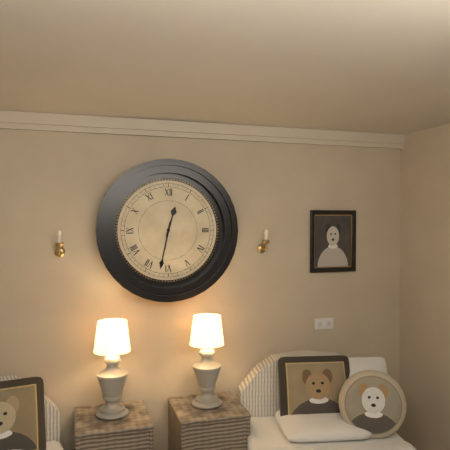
12:32
